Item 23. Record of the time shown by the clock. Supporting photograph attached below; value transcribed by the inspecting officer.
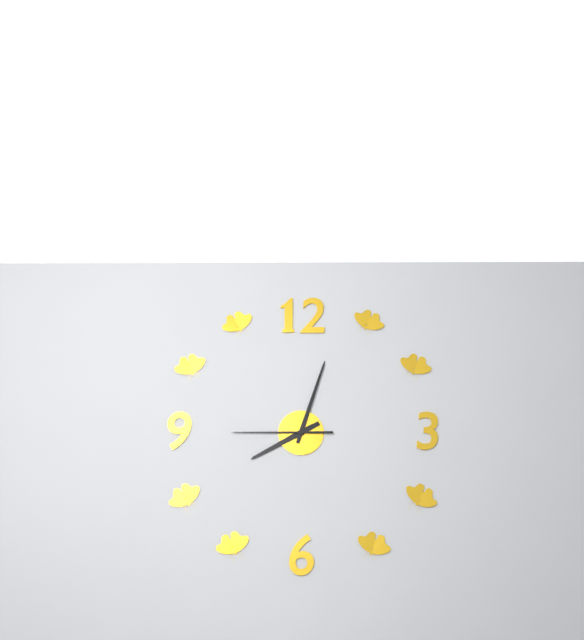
8:03:45
